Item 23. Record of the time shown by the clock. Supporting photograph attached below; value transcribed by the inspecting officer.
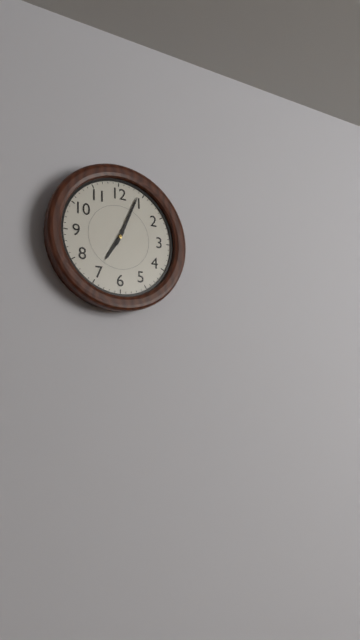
7:04
